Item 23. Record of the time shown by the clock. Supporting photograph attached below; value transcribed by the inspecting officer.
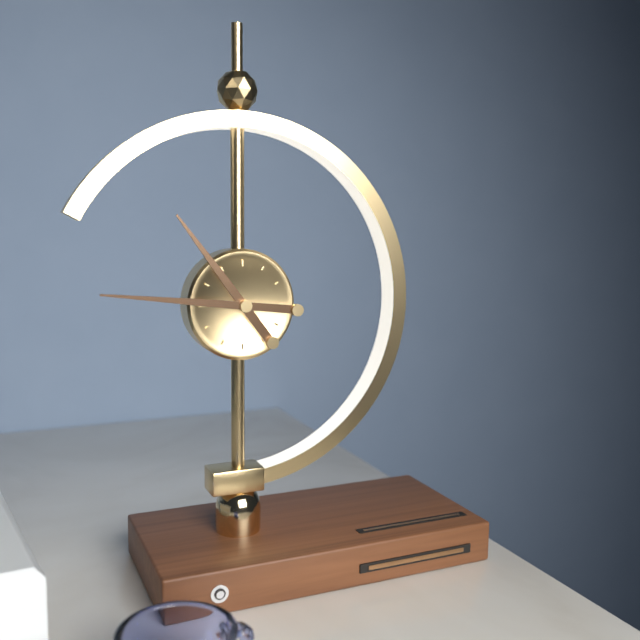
10:46
